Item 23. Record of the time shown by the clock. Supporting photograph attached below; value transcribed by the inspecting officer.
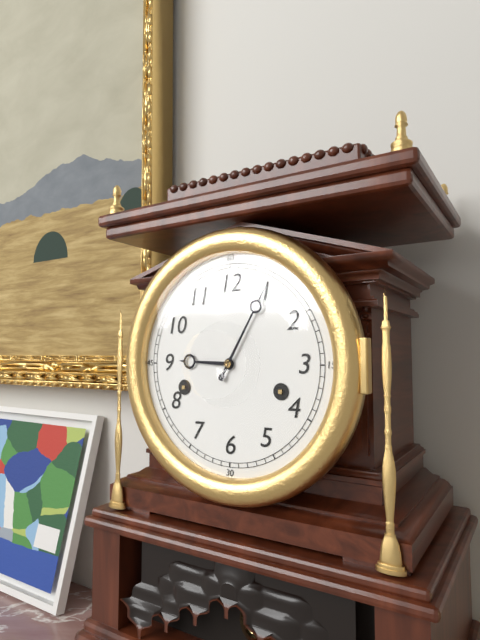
9:05
